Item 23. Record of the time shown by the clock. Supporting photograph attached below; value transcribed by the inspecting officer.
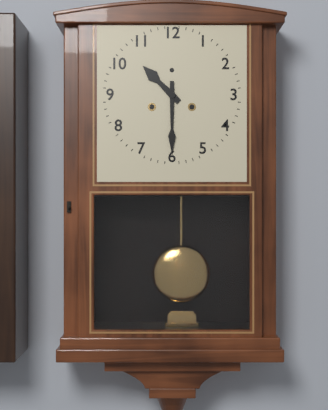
10:30
